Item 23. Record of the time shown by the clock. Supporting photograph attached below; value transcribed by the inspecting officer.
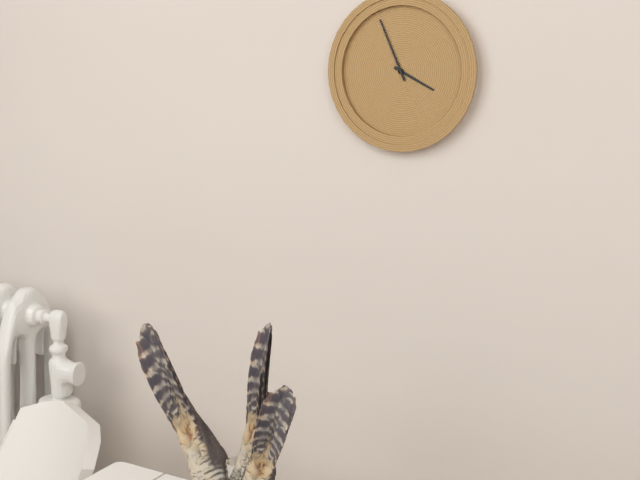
3:56
